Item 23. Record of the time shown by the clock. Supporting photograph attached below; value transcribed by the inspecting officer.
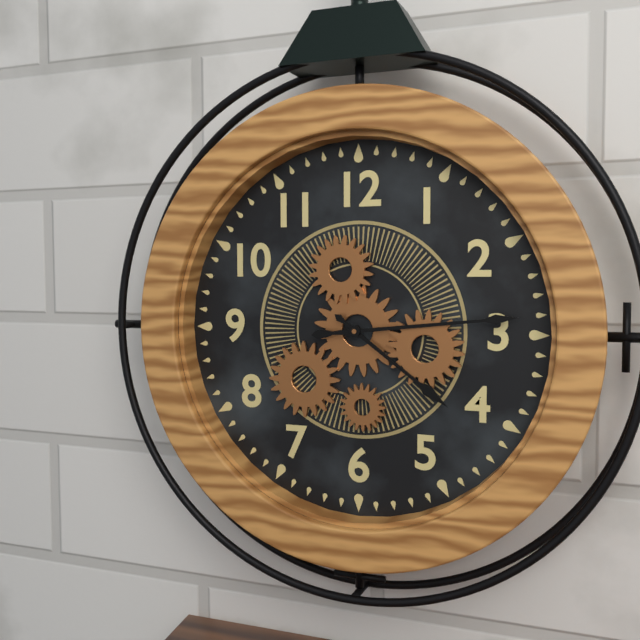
4:14
